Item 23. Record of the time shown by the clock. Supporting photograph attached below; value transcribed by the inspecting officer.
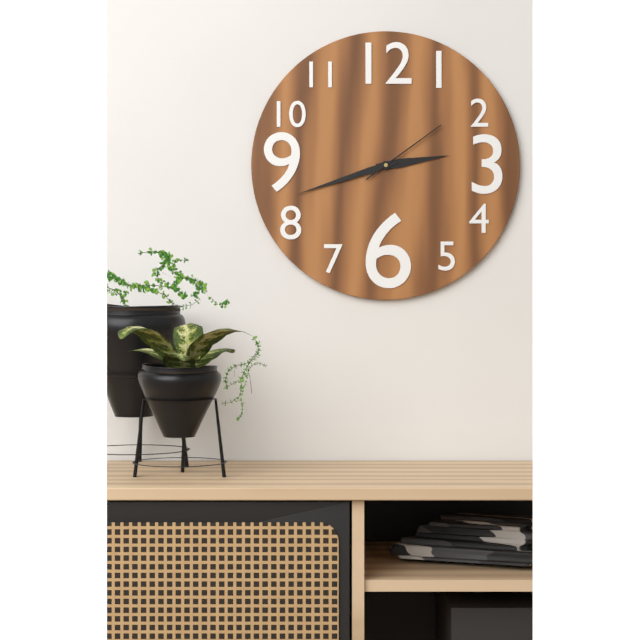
2:42:09
